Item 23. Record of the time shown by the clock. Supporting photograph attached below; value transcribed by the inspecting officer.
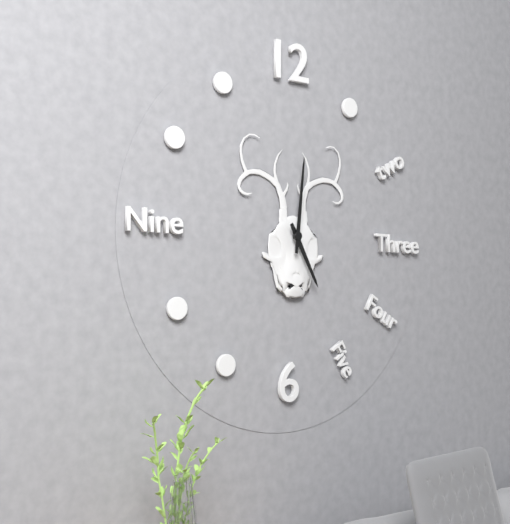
5:01
